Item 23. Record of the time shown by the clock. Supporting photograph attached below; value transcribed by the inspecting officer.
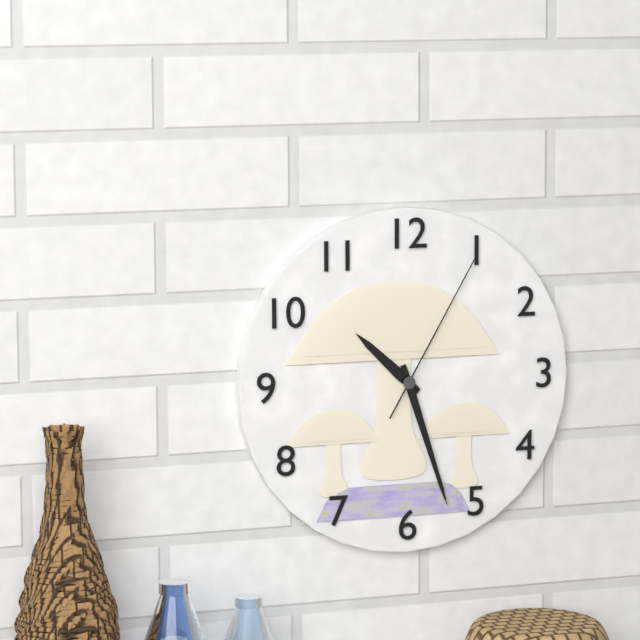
10:27:05
